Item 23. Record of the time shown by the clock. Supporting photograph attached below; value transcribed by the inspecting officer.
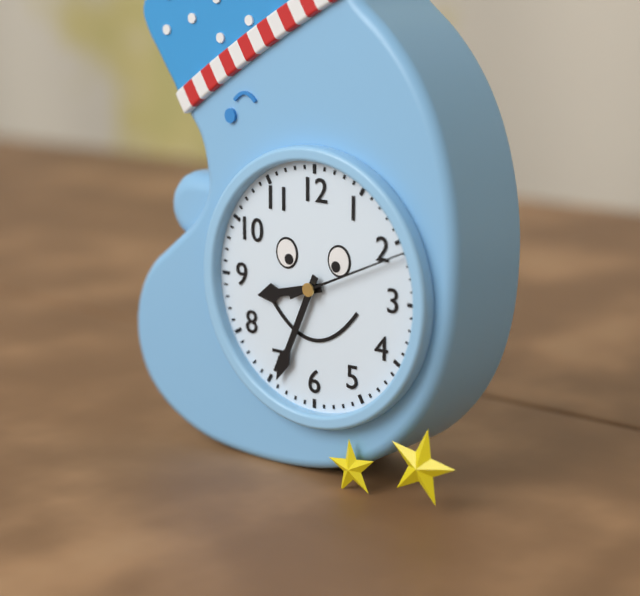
8:34:11
